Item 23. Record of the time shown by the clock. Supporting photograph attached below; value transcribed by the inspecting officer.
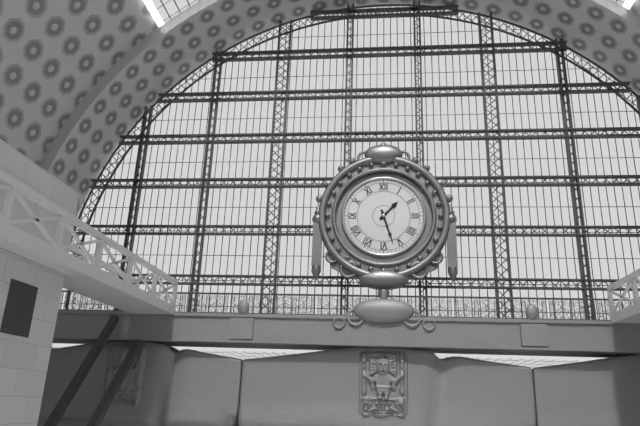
1:27
